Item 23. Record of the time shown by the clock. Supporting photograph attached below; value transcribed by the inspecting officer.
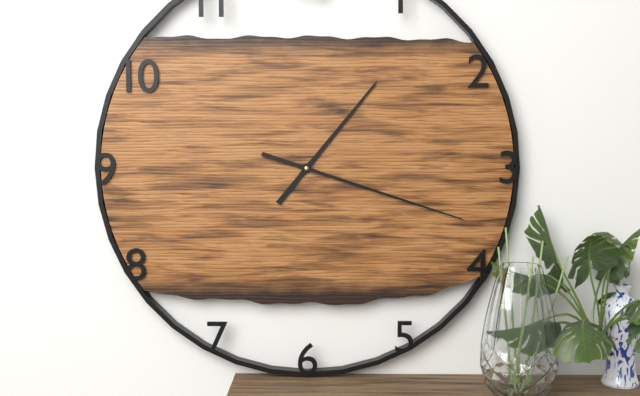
1:18
